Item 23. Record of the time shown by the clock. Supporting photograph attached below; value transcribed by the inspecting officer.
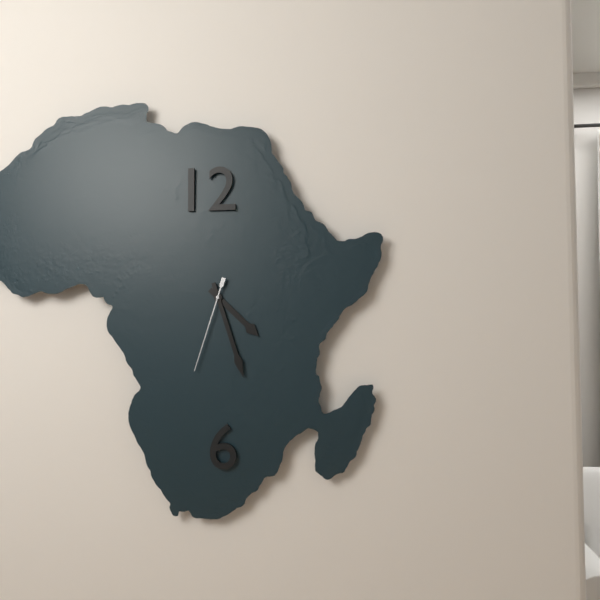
4:27:33
